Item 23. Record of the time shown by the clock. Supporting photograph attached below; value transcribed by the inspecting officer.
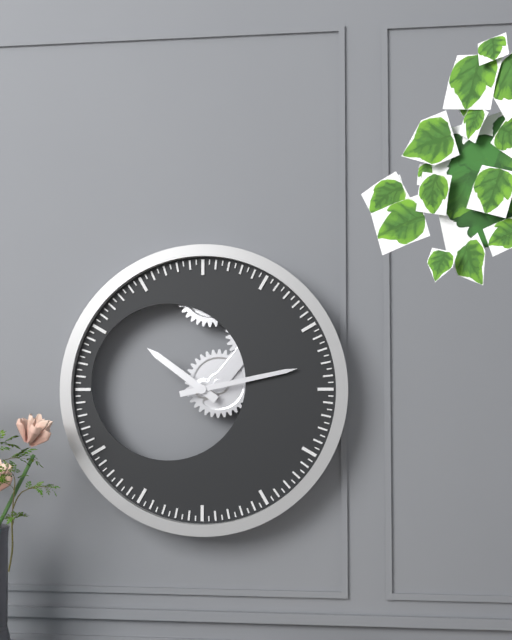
10:13
